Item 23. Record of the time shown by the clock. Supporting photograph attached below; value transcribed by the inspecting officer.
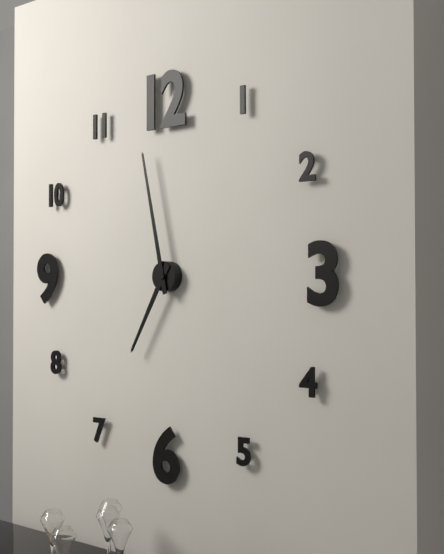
6:58
